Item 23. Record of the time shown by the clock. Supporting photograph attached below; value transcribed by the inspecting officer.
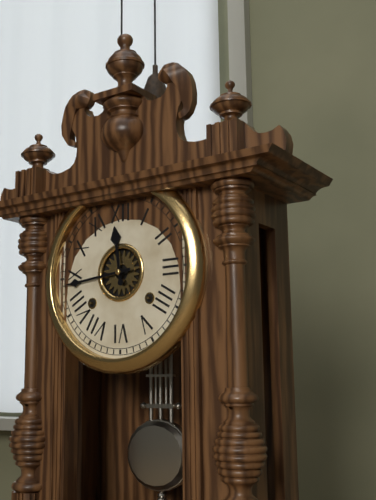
11:44
